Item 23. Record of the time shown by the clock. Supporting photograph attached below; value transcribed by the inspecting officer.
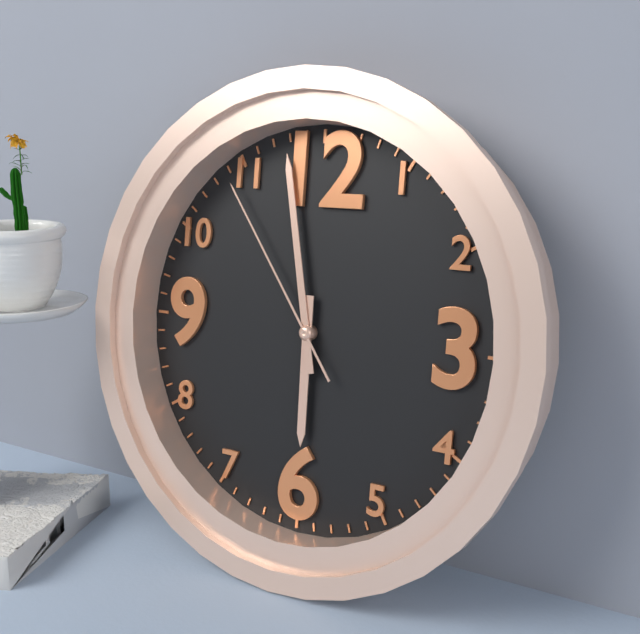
5:58:54
